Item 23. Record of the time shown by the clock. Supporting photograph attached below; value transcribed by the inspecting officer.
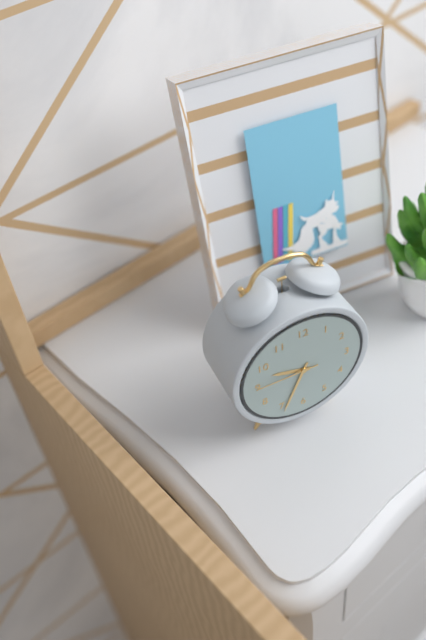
9:34:45
